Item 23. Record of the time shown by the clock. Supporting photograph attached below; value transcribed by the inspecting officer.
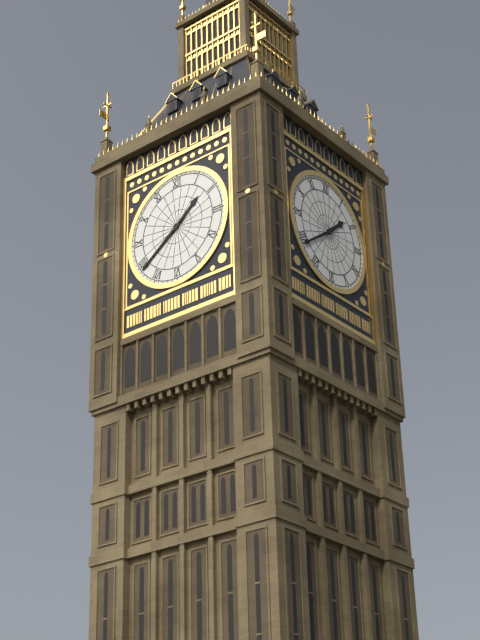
1:39
